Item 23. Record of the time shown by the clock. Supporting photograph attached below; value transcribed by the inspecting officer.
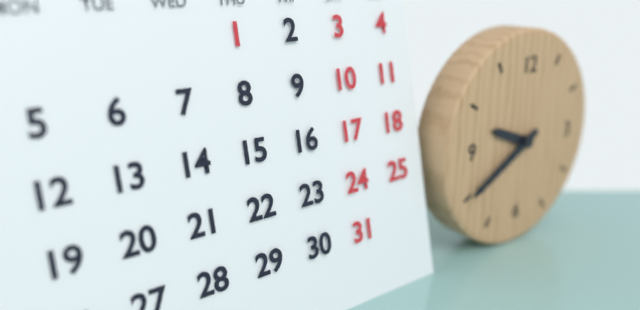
9:40
